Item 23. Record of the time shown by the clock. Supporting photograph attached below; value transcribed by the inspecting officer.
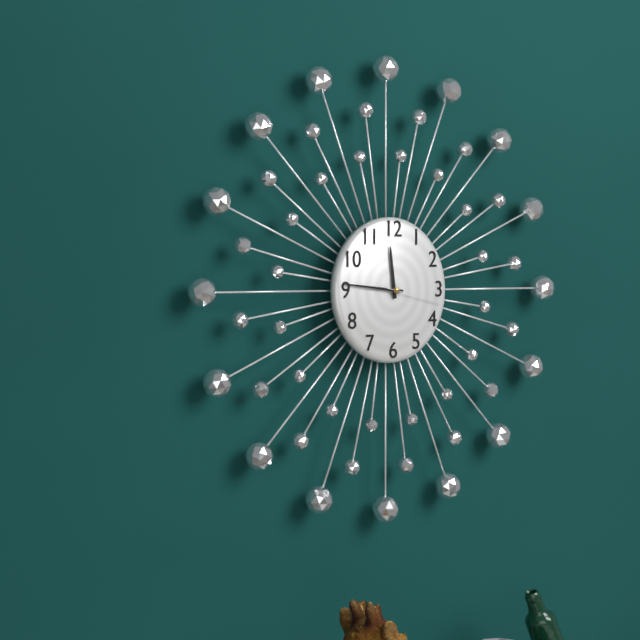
11:46:17
